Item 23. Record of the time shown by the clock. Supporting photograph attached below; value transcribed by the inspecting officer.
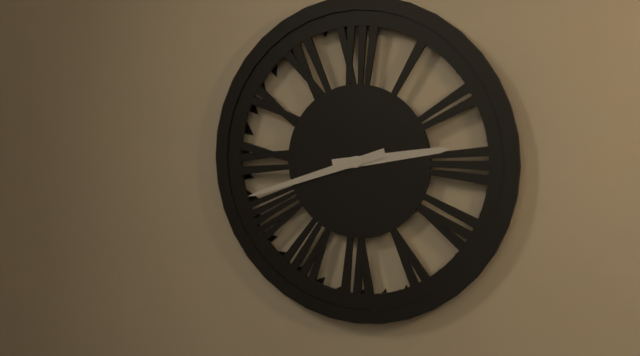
2:42
